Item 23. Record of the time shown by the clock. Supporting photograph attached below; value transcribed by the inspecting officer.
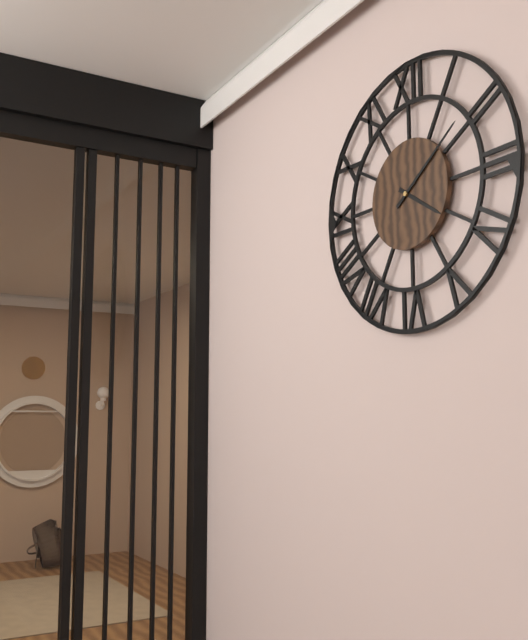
4:09
